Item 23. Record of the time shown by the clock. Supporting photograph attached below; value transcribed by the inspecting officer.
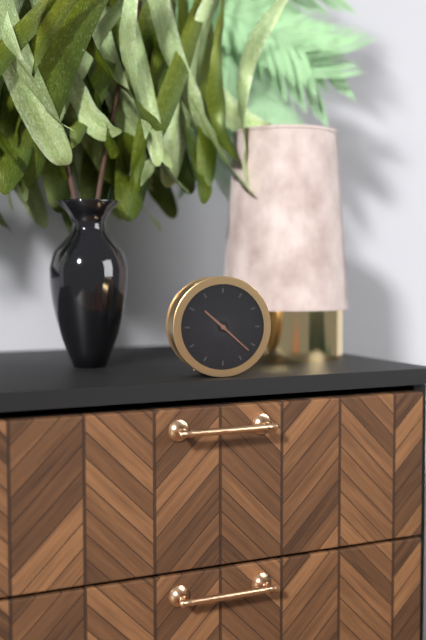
10:22
